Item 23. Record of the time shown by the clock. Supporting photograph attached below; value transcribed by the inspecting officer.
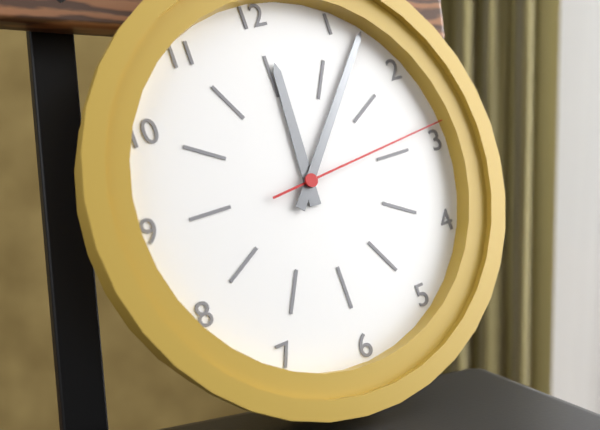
12:07:14
